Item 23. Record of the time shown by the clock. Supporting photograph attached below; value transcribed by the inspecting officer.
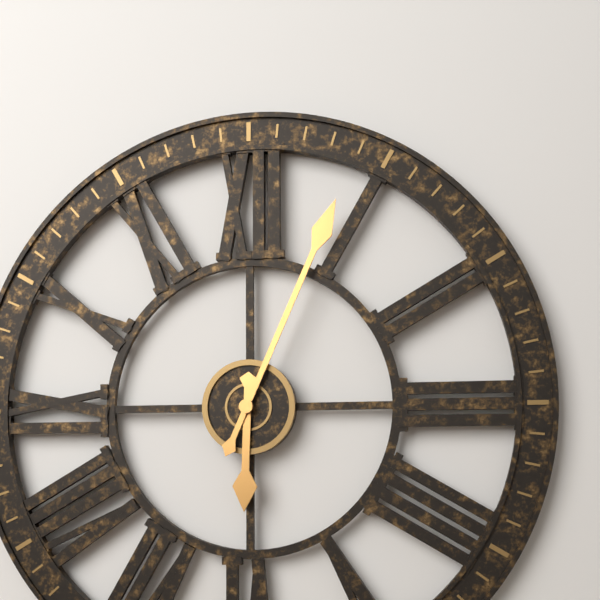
6:04
